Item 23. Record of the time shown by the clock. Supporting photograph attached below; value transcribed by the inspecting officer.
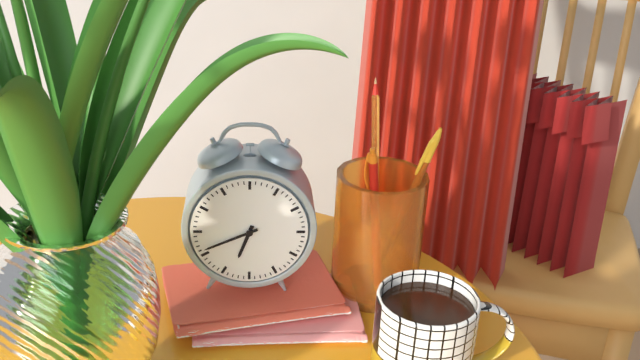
6:41
